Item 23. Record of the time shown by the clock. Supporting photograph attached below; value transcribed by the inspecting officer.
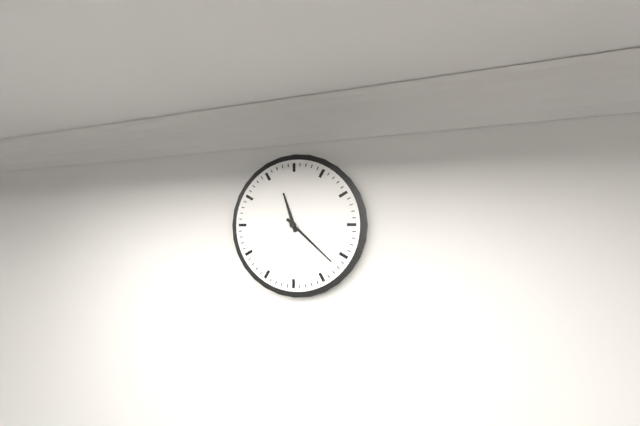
11:22
